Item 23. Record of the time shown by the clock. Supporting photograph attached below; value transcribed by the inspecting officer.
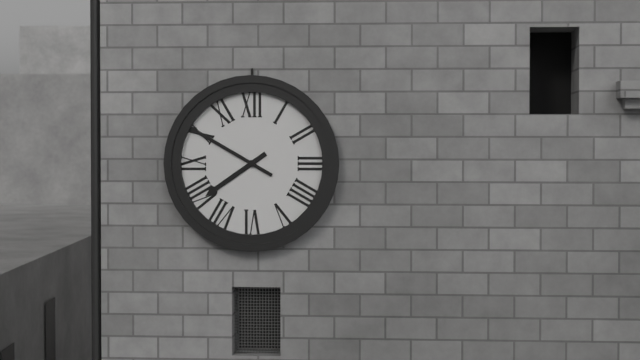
7:50
